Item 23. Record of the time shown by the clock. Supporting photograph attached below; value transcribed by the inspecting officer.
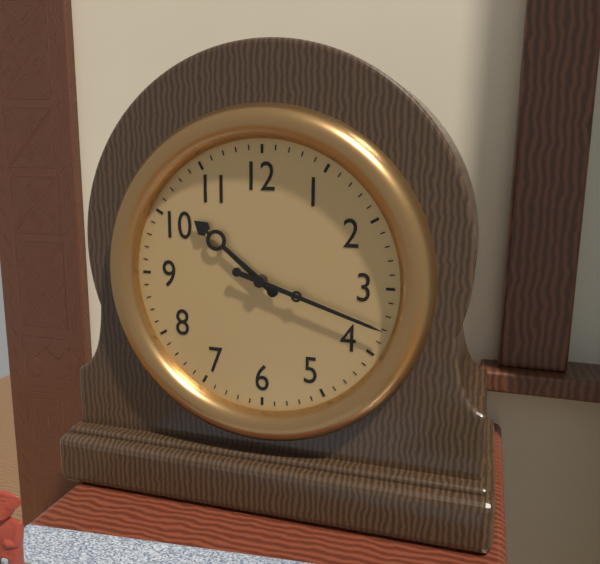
10:18
